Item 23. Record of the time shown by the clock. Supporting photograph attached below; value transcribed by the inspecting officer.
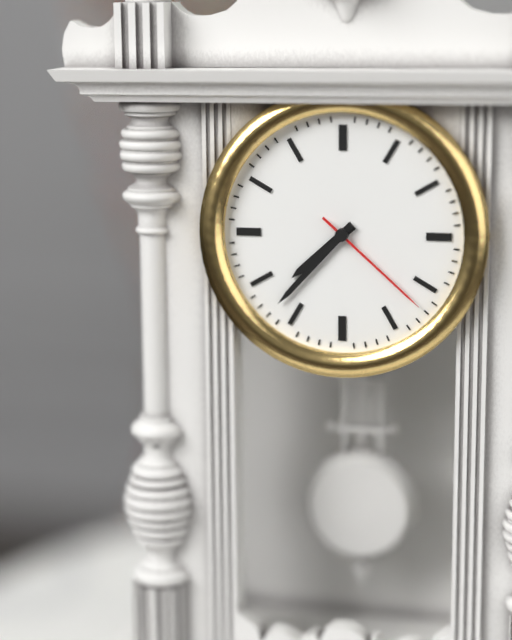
7:37:22
